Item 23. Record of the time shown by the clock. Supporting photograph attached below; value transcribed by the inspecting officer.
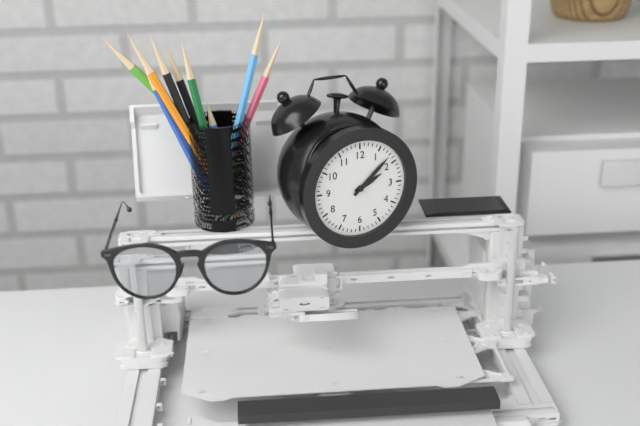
2:08
